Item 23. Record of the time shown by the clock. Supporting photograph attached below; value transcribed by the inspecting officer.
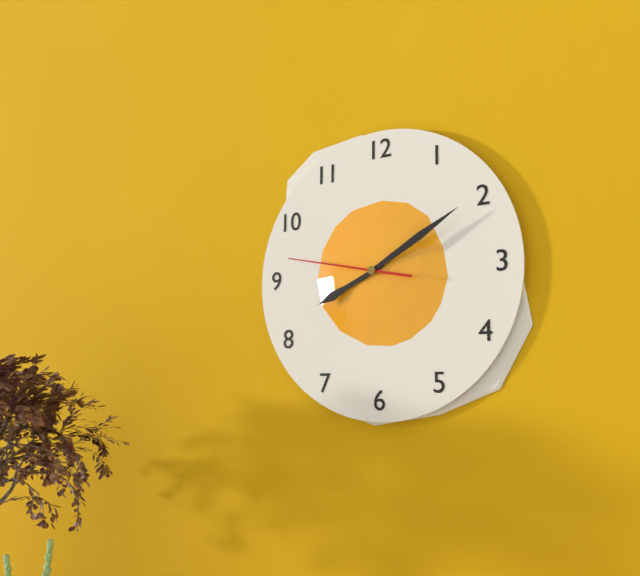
8:10:47
